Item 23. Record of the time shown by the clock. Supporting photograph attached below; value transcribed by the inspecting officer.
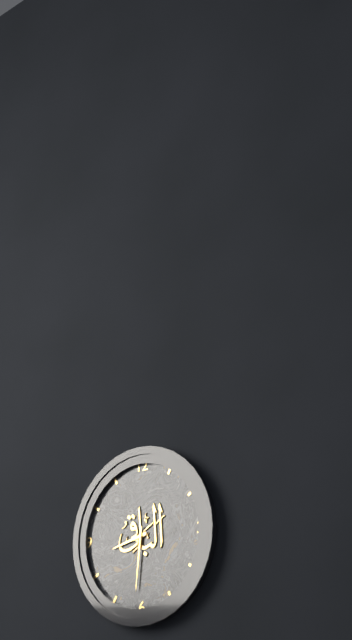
8:31
